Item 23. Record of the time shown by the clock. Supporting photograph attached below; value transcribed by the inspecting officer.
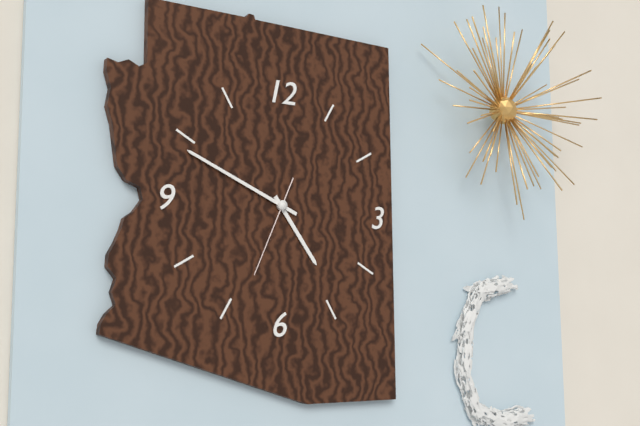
4:49:34
